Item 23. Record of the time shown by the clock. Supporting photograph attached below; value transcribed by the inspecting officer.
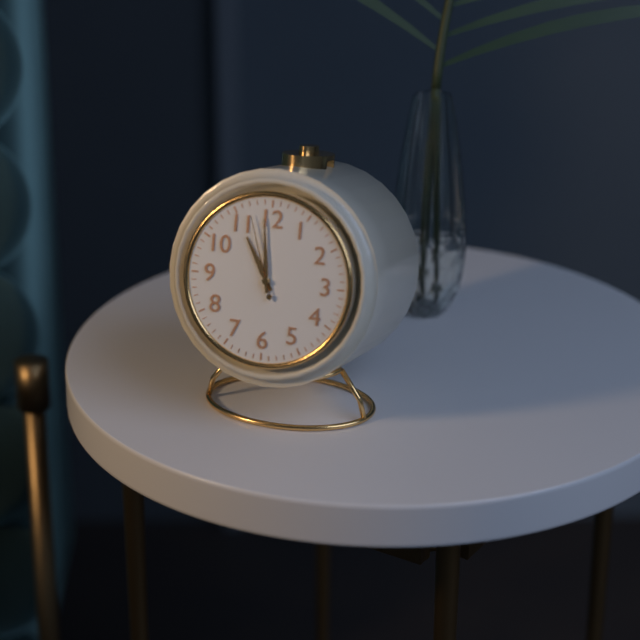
10:59:57
